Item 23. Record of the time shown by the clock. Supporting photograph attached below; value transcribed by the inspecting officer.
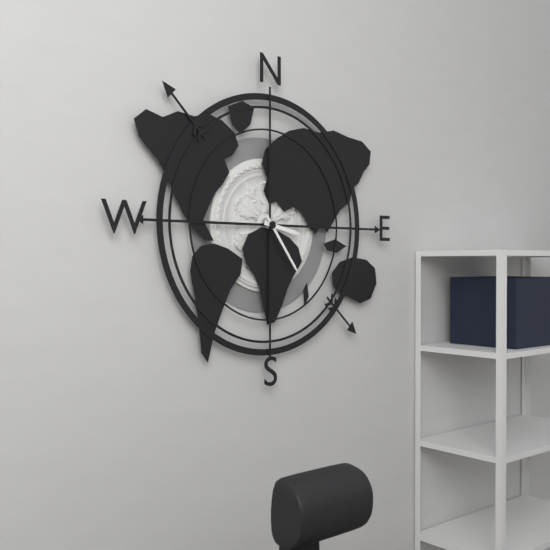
3:24
